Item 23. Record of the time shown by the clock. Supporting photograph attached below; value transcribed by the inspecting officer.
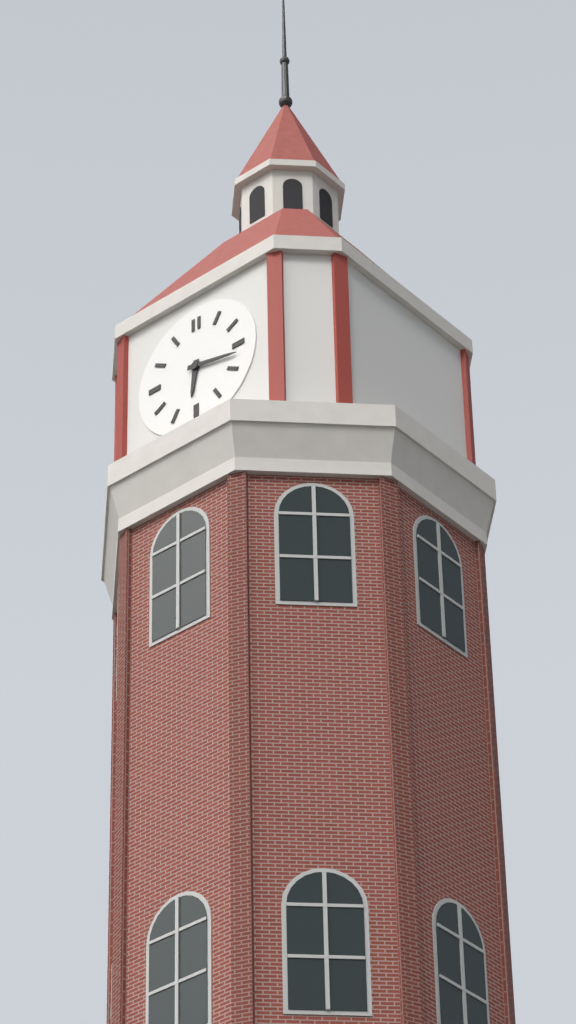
6:17
